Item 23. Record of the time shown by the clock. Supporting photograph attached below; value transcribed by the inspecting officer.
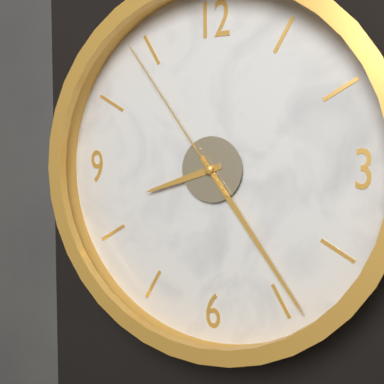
8:24:54
